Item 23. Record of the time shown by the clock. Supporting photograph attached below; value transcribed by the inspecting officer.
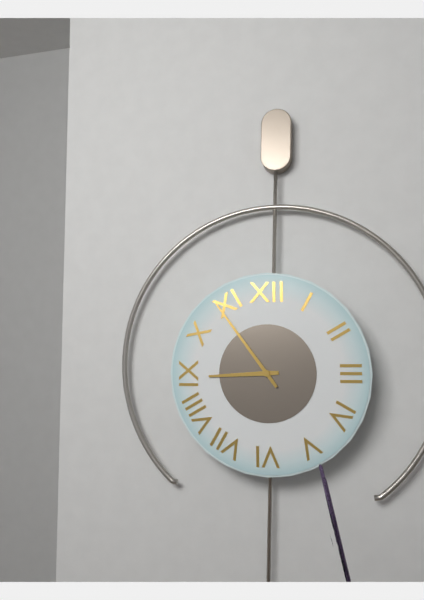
8:54
